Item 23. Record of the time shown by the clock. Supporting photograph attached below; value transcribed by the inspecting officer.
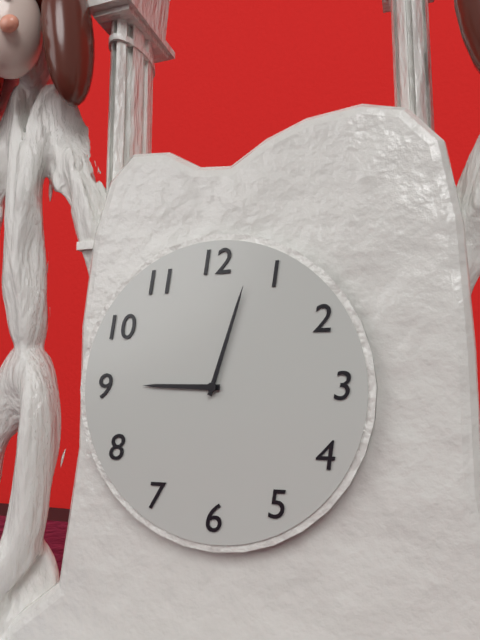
9:03
